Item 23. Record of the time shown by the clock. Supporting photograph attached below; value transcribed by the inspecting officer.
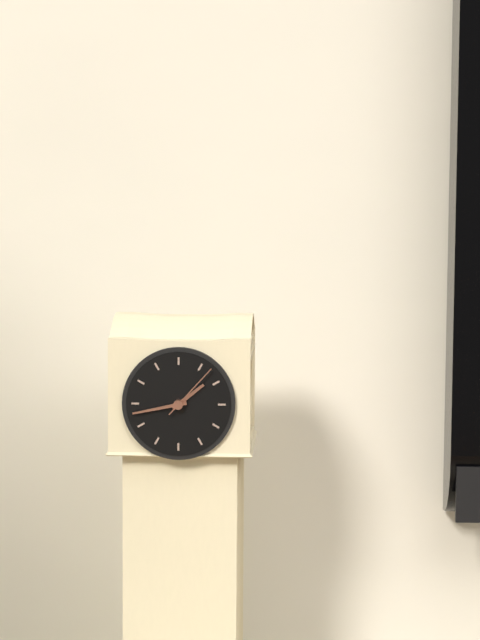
1:43:07
